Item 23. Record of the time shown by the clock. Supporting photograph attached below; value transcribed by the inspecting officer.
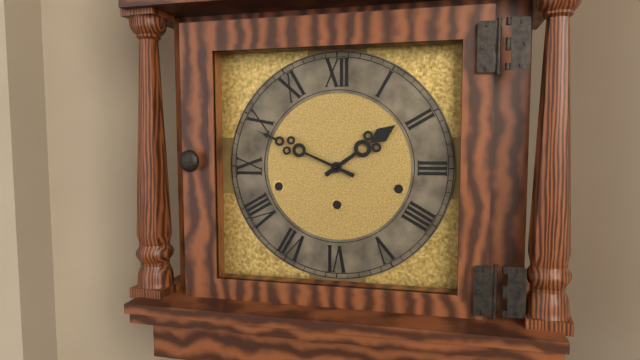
1:49
